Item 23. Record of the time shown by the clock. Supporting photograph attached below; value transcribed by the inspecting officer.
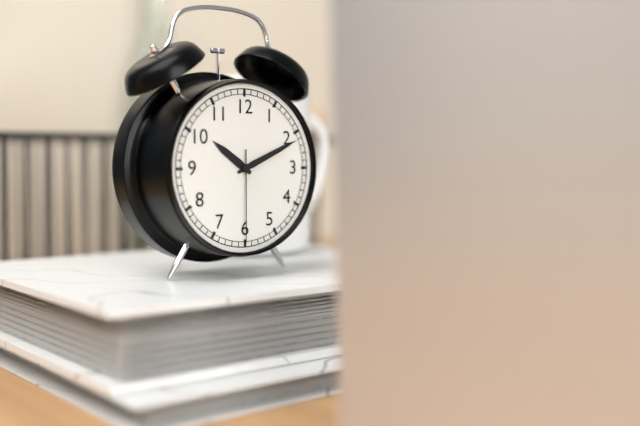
10:11:30
